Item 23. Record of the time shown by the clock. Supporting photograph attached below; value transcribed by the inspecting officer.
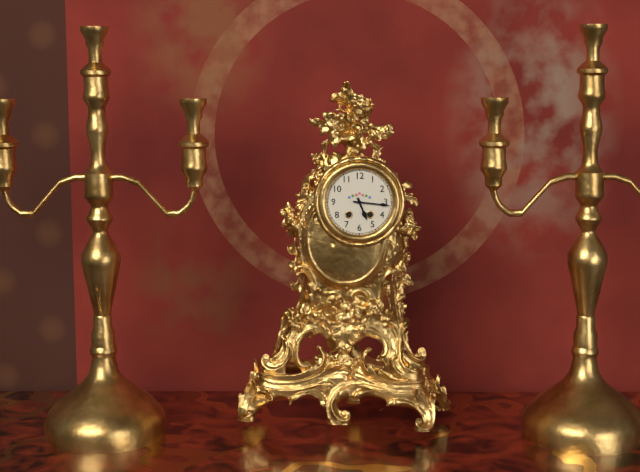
5:16
